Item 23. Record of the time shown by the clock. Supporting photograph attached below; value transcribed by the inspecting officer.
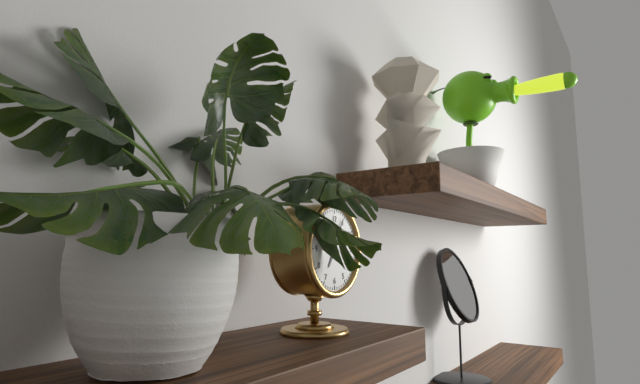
7:04
